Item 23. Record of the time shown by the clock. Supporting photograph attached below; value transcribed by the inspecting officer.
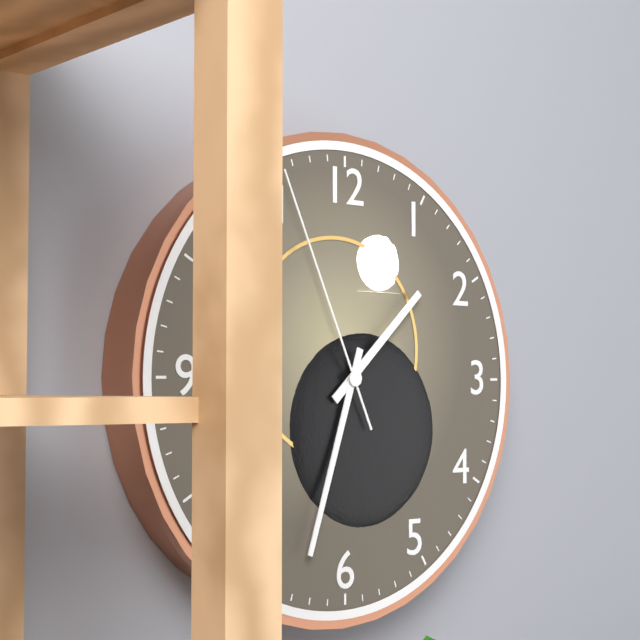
1:33:56
